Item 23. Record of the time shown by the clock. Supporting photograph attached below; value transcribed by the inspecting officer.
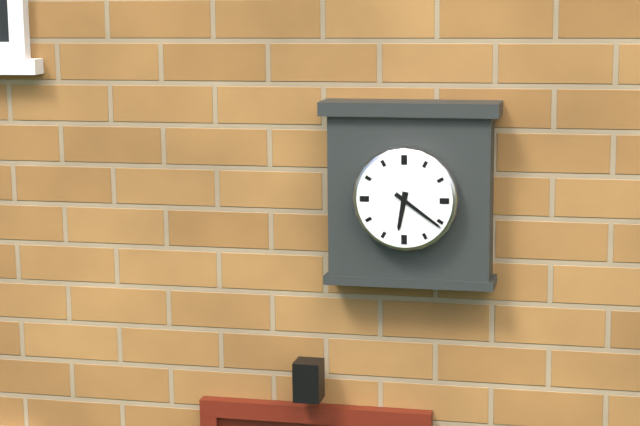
6:21
